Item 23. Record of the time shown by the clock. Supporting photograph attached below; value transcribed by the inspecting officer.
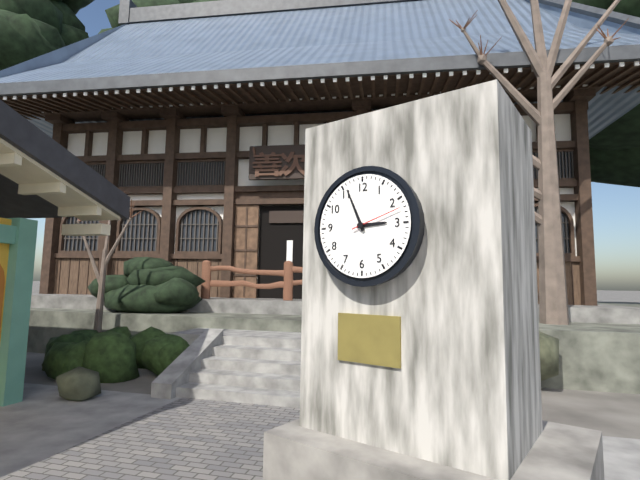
2:56
